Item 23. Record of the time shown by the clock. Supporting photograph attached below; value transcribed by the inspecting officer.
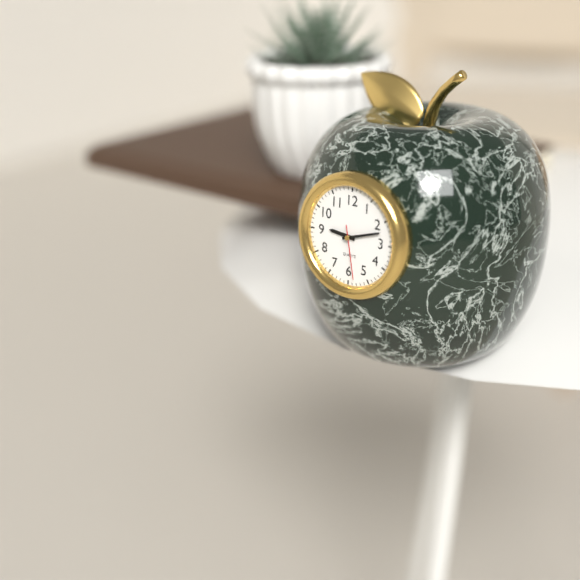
9:12:28
